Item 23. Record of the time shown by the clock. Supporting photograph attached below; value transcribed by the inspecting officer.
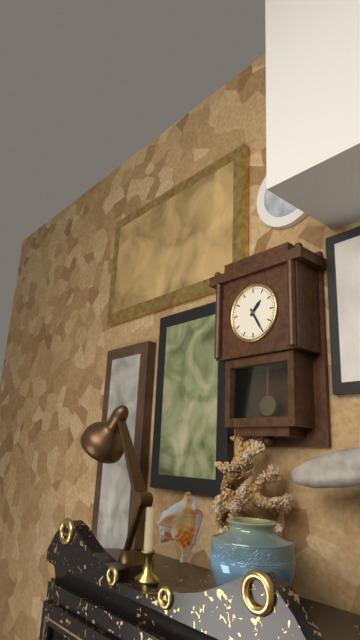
1:25
